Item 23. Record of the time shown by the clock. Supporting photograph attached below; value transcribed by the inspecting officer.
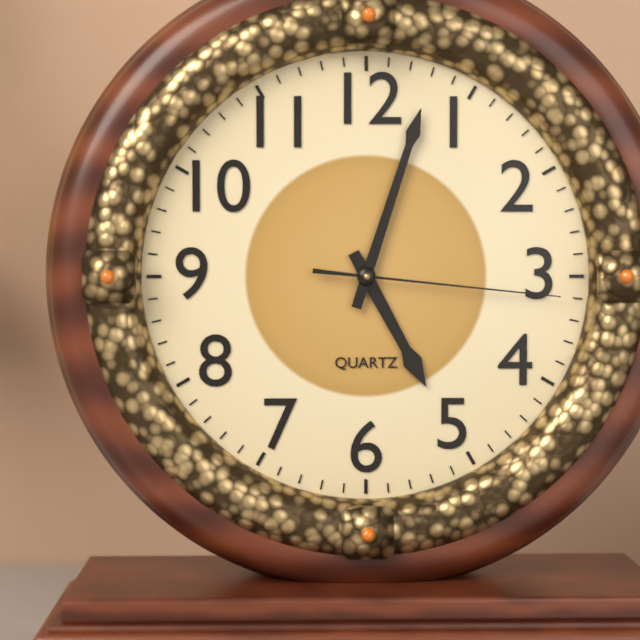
5:03:16
